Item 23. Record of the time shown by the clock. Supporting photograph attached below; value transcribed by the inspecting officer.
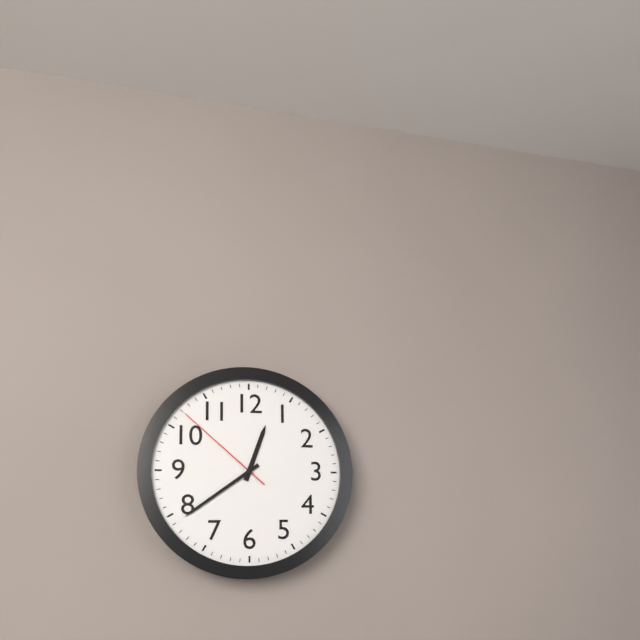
12:39:52
